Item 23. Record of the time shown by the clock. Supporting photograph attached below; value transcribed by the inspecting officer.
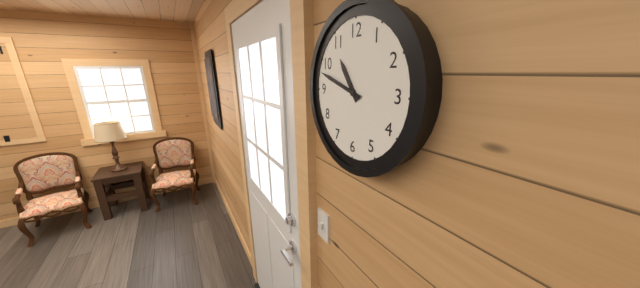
10:48
